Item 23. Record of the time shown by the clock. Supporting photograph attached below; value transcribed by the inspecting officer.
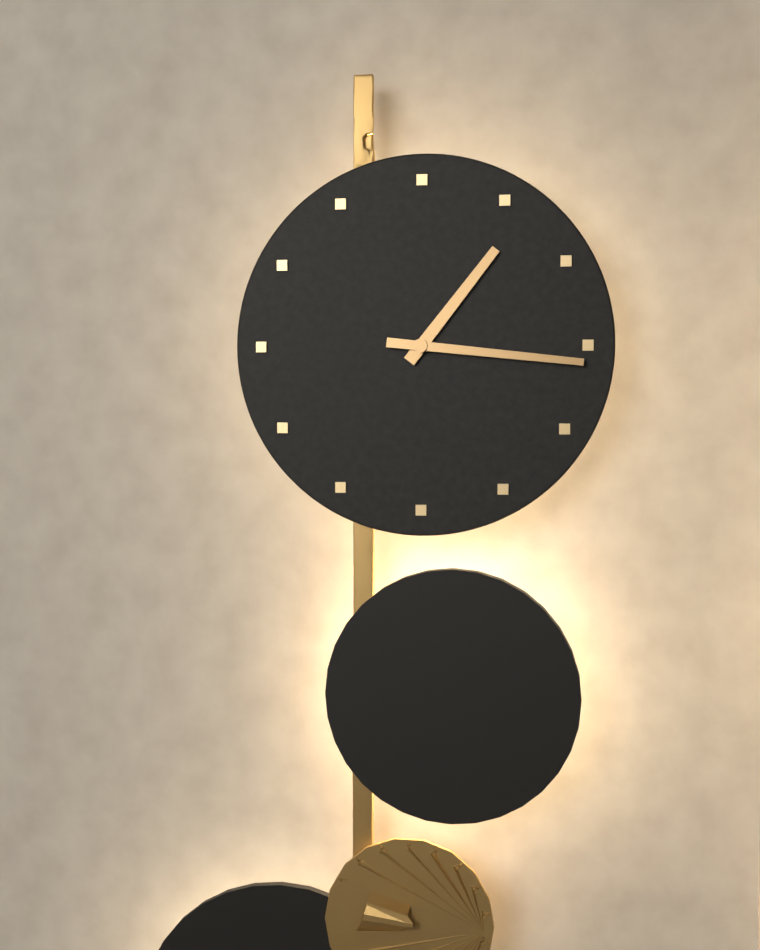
1:16
